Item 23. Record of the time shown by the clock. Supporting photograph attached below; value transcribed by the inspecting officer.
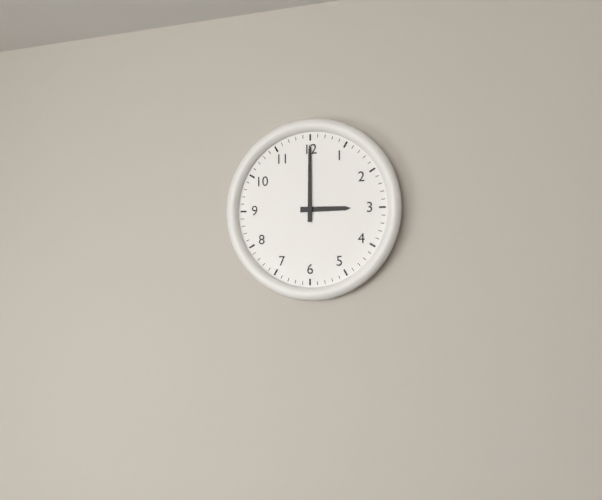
3:00
